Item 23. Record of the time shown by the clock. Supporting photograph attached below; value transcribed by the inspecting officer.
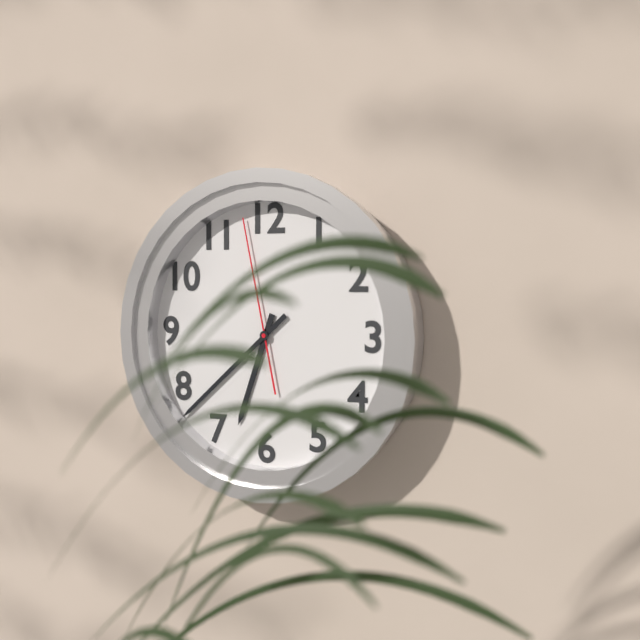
6:38:58
